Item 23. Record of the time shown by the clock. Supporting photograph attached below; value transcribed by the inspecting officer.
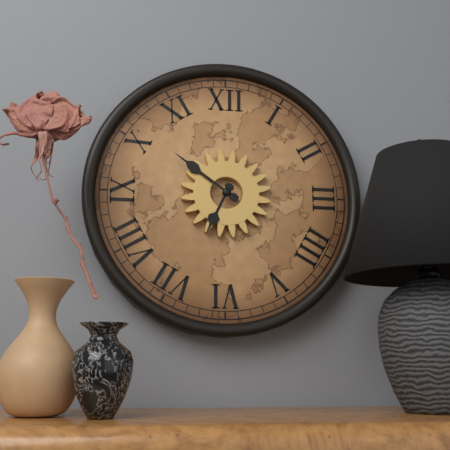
6:51
